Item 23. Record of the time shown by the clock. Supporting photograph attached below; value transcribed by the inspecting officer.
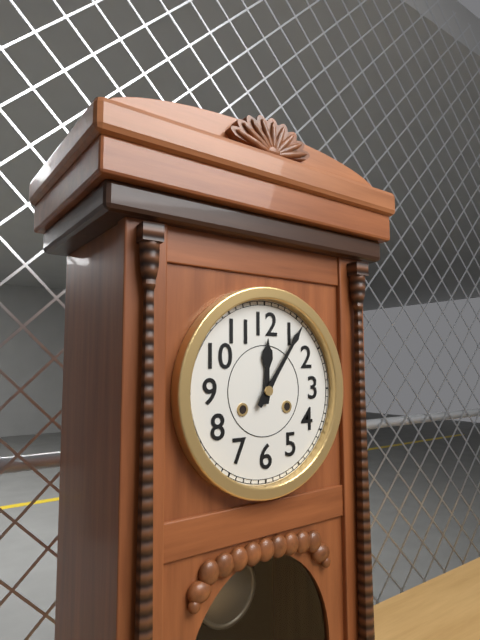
12:06
